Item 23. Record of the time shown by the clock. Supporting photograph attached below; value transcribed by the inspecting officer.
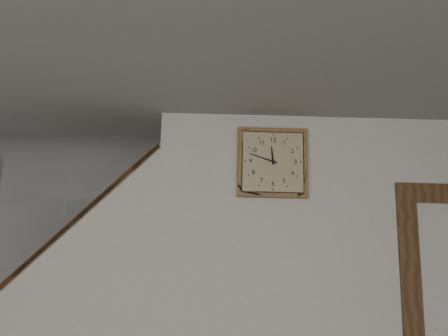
11:48
